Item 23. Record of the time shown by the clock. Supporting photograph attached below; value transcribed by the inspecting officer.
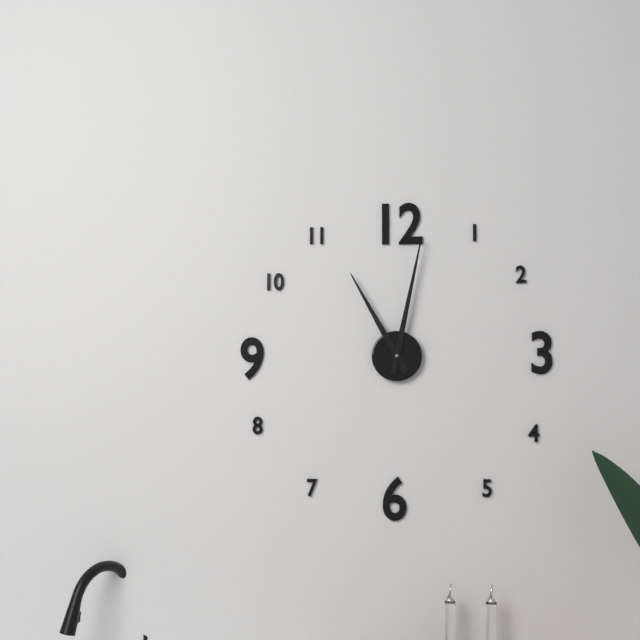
11:02
